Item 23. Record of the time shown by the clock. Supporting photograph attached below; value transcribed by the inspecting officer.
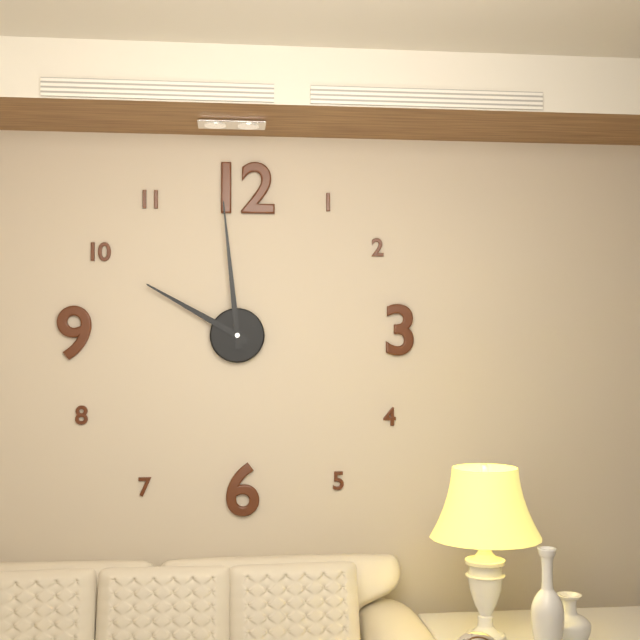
9:59
